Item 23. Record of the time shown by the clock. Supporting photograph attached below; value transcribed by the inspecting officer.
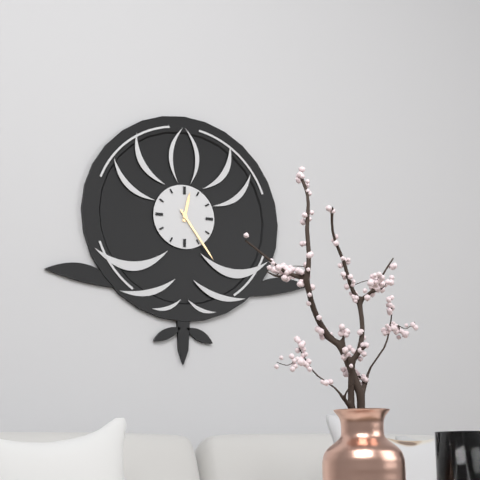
12:24
